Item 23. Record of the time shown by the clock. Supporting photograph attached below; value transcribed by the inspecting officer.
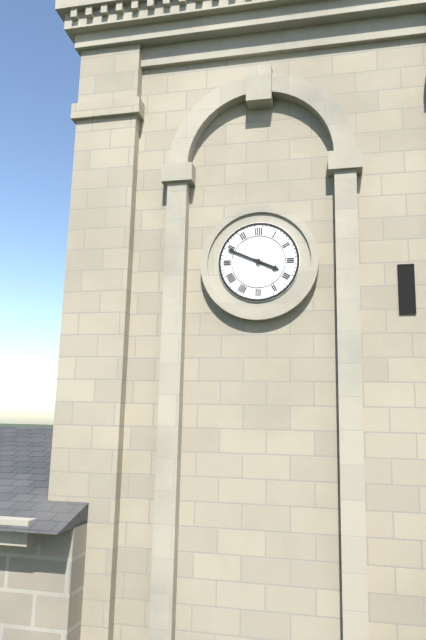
3:49
